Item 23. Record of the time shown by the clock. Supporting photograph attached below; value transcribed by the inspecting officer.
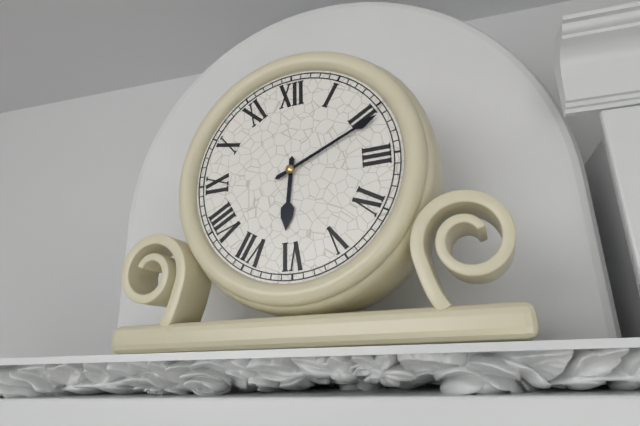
6:11
